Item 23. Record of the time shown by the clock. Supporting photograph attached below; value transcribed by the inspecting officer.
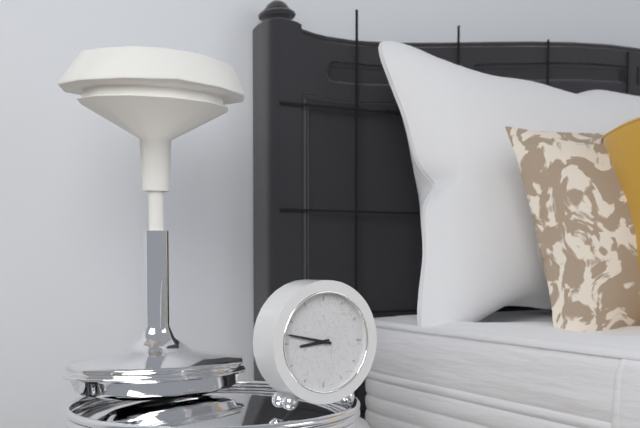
8:47
